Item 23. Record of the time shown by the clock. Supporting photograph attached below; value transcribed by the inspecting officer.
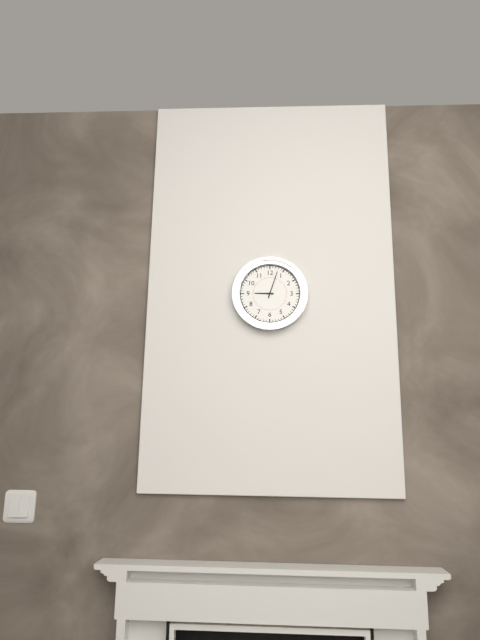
9:03
